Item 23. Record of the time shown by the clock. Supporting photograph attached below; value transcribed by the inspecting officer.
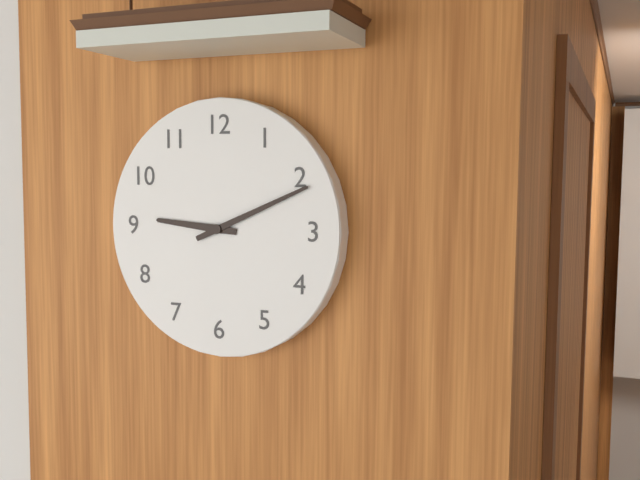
9:11
